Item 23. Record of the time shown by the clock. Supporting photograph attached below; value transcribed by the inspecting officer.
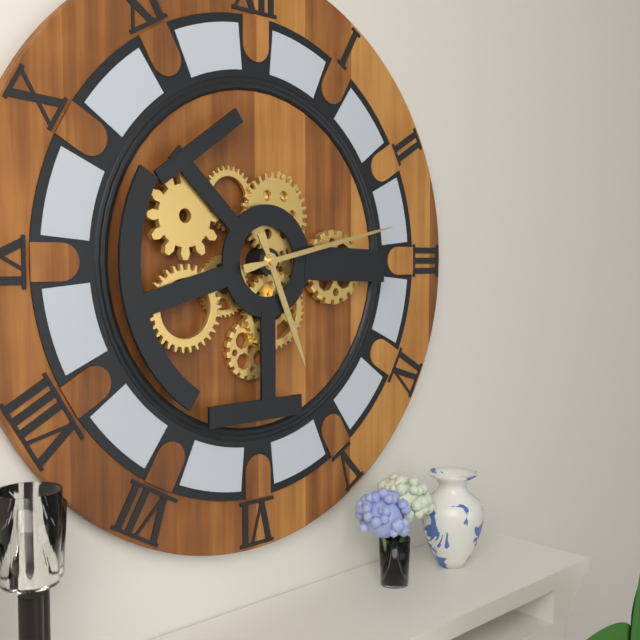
5:13
